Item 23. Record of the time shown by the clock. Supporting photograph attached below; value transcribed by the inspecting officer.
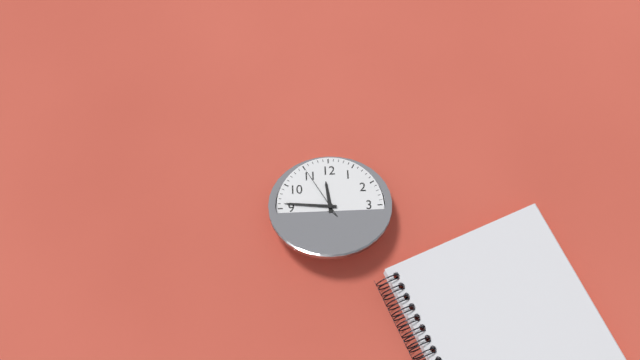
11:46:55
